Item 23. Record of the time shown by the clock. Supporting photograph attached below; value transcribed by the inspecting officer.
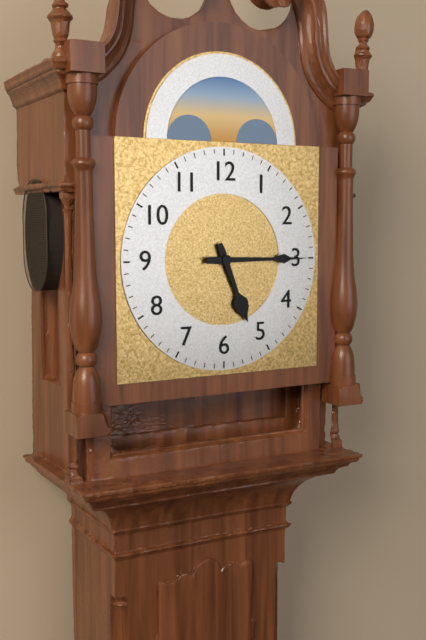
5:15
